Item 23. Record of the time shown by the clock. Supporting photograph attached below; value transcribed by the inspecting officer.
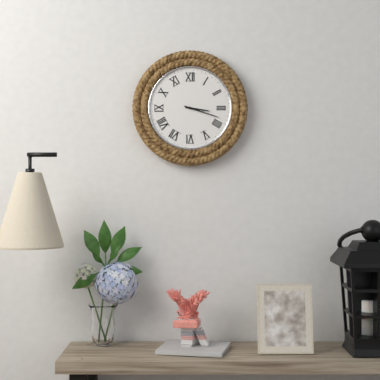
3:18
